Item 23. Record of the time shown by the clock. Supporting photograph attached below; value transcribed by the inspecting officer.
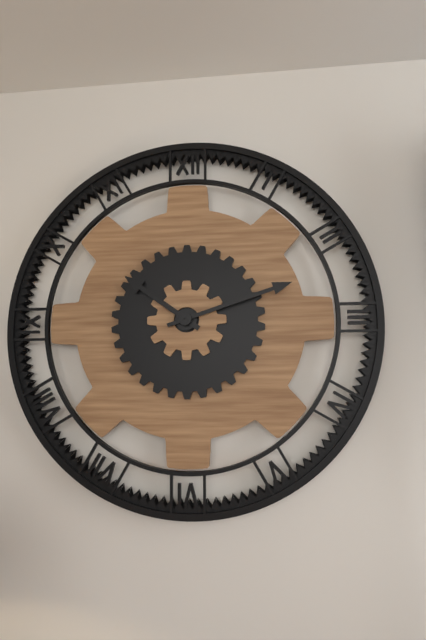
10:12
